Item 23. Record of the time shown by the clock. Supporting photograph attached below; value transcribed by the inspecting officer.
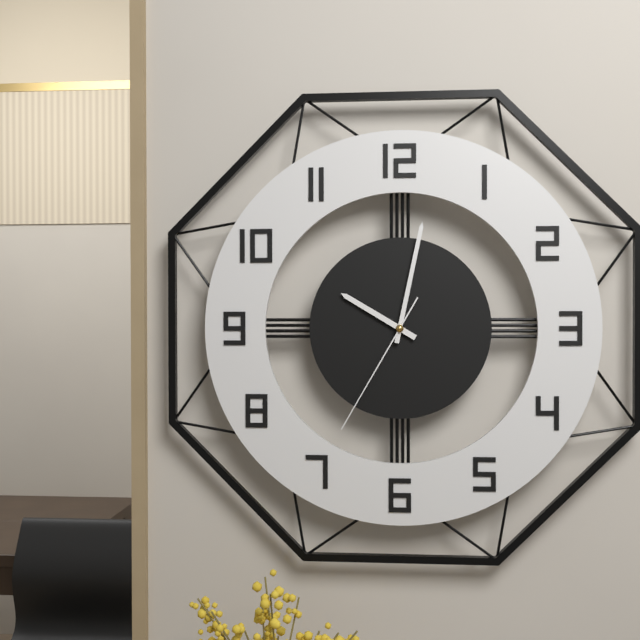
10:02:35
